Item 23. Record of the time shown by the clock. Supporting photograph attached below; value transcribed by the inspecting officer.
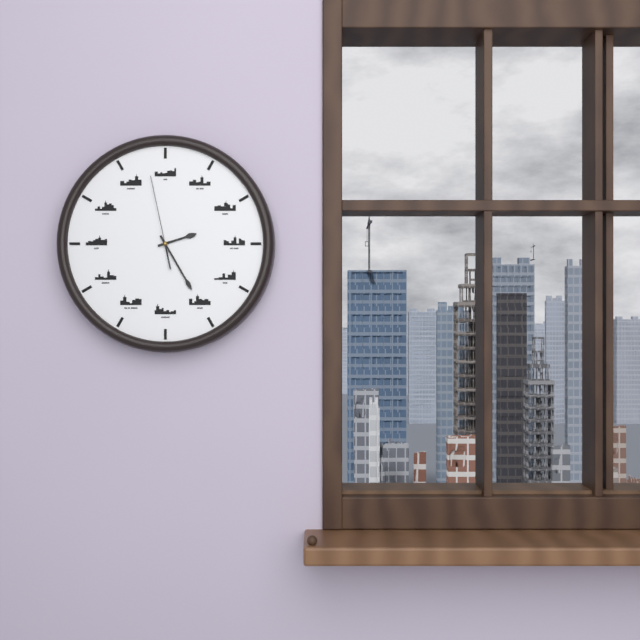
2:25:58
